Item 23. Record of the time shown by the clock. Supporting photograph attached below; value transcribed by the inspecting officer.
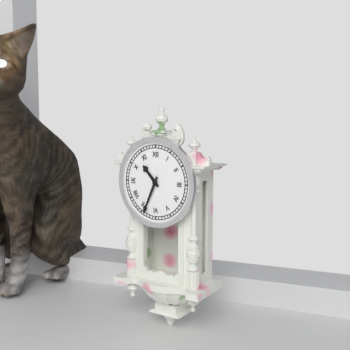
10:34
